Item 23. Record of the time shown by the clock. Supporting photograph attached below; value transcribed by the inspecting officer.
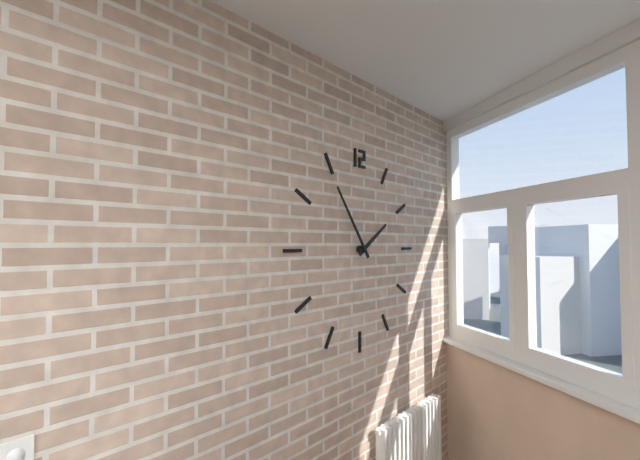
1:54
